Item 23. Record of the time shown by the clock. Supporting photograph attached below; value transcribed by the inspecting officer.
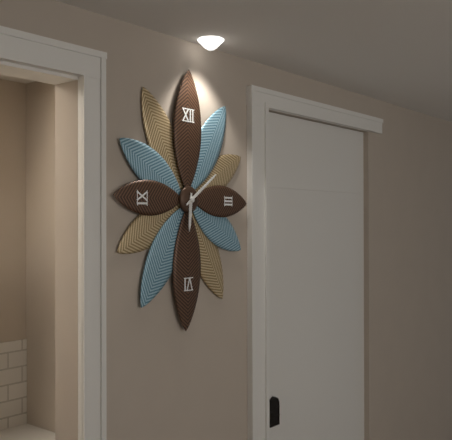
6:09
